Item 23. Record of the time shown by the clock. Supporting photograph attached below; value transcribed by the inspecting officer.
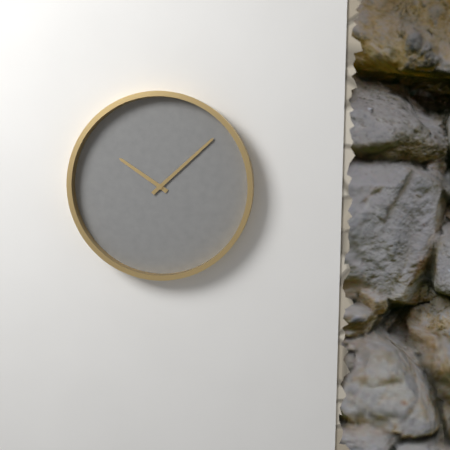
10:08
